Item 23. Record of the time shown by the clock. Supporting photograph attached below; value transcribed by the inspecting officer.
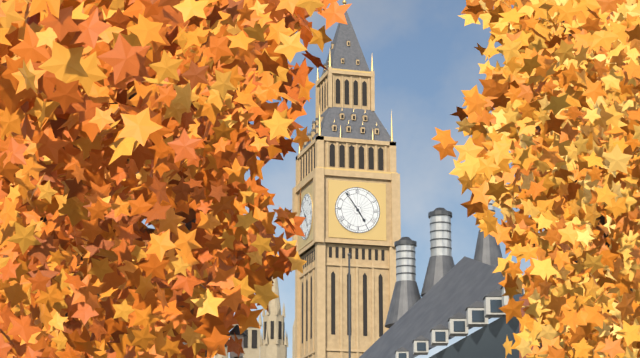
4:54
